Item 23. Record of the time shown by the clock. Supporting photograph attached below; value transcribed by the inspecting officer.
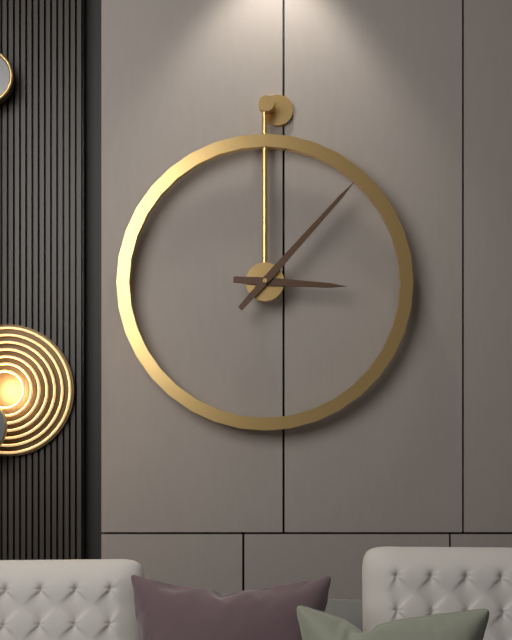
3:07
